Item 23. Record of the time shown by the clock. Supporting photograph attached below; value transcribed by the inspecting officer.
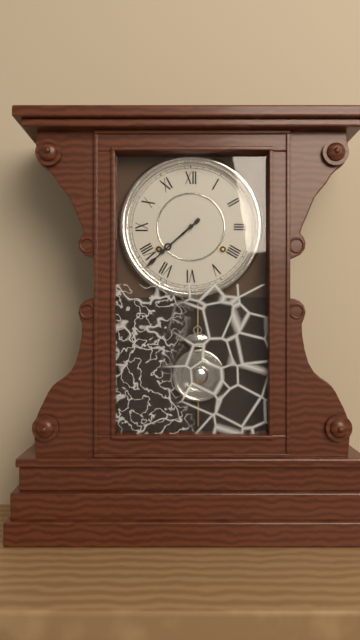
7:38
